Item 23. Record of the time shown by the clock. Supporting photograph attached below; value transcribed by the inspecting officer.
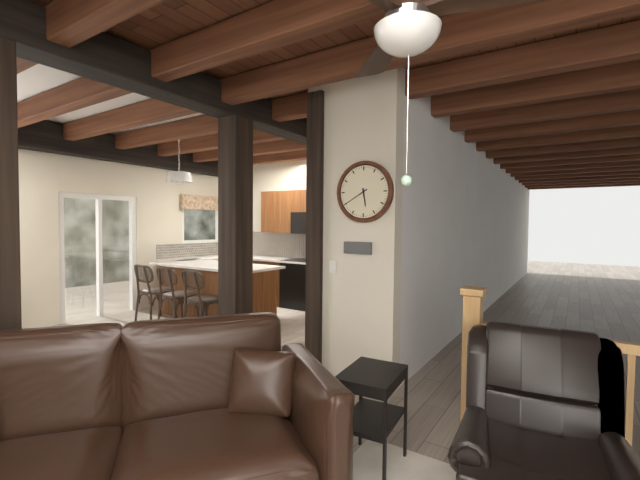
5:40
